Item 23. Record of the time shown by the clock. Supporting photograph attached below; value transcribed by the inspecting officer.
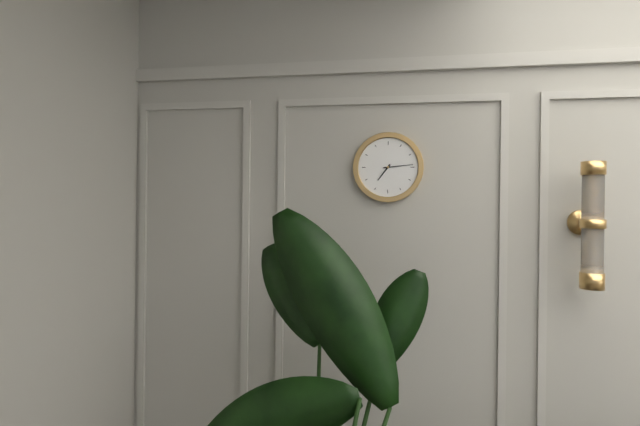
7:14
